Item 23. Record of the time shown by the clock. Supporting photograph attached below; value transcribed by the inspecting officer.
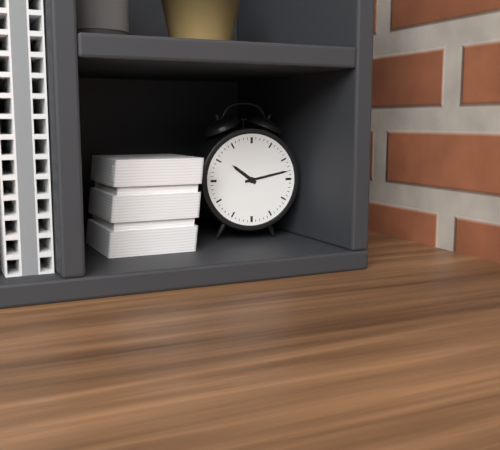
10:13
